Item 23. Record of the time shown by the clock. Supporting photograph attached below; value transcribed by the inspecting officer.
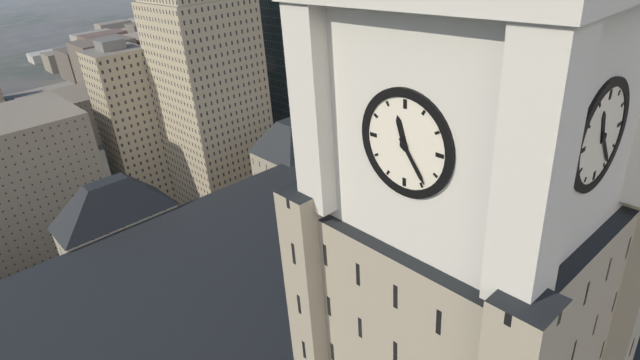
11:24
